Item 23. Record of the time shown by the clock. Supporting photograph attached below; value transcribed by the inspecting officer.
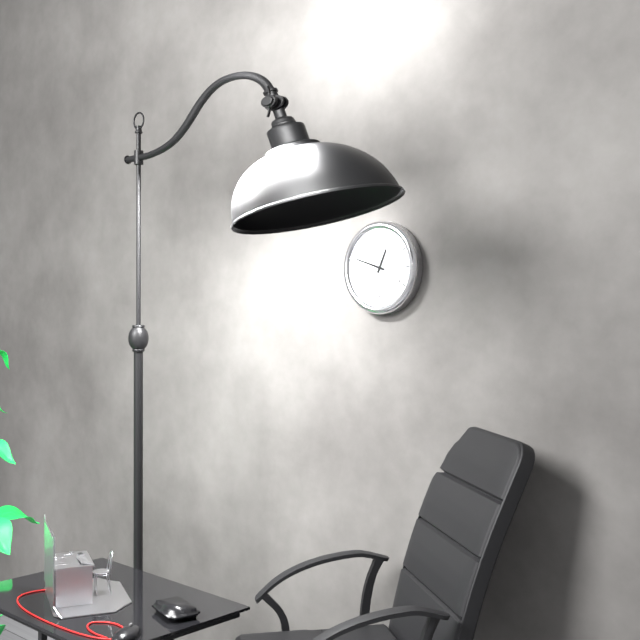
12:48
